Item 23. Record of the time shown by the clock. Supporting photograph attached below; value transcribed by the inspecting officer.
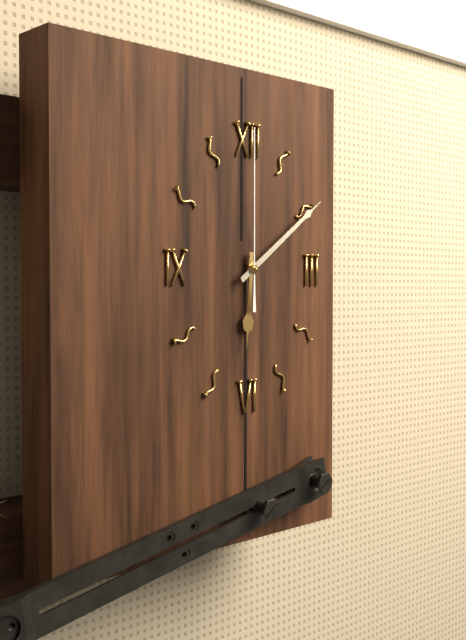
6:09:00
